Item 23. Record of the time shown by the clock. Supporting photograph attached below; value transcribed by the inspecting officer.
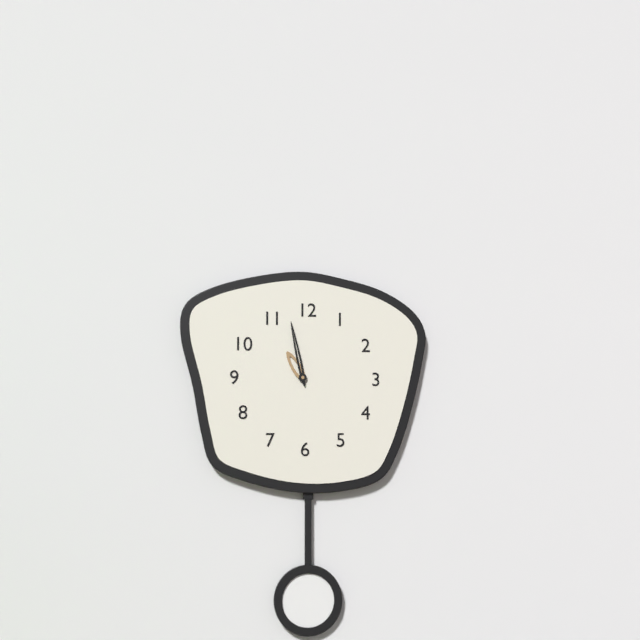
10:58
